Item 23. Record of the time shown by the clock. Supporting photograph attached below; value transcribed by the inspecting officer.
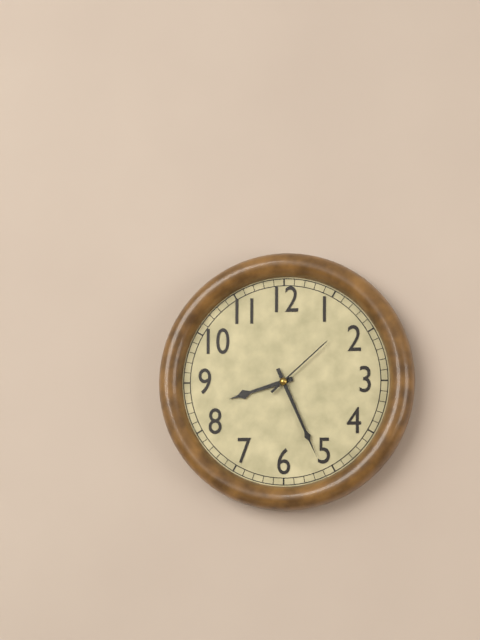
8:26:08
